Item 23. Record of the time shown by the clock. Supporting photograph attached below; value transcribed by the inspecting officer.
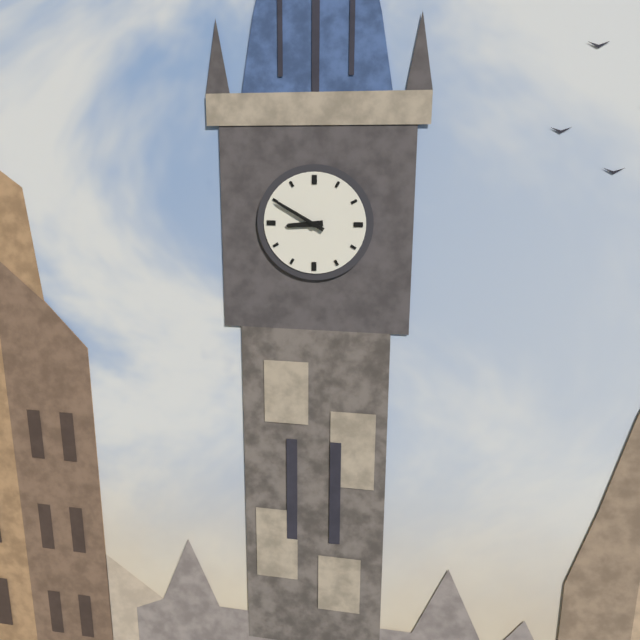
8:50
